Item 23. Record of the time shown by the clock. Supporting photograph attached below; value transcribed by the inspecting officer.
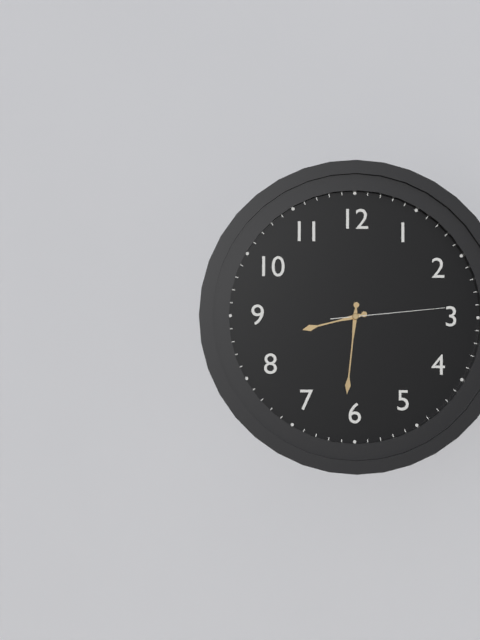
8:31:14
